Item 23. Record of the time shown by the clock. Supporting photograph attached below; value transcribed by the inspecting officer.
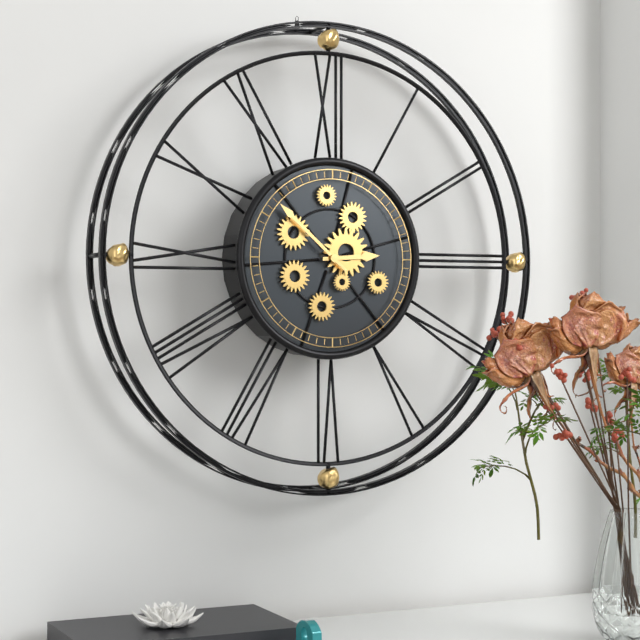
2:52
